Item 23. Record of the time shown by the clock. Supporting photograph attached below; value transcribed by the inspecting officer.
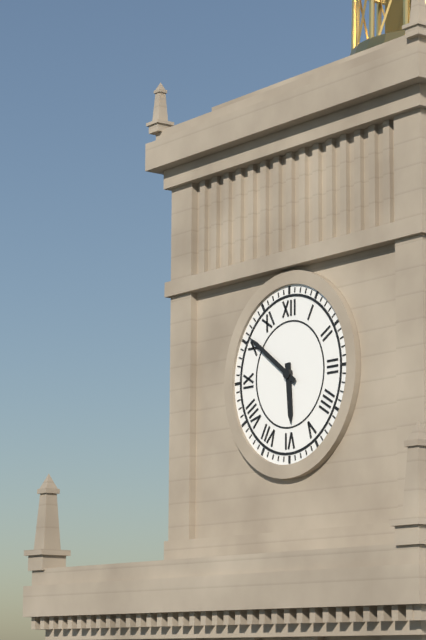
5:51
